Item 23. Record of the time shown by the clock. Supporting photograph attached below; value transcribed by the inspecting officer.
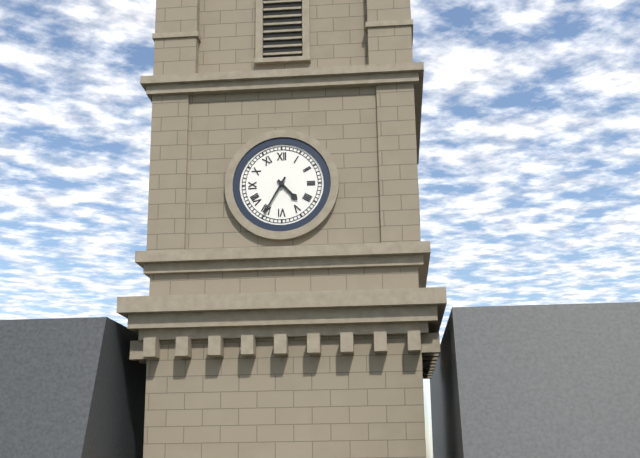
4:35
